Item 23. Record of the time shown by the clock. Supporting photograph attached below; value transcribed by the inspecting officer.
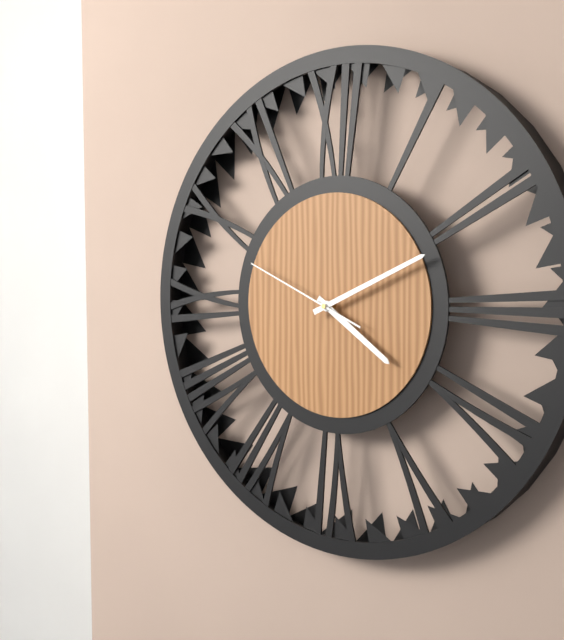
4:11:49
